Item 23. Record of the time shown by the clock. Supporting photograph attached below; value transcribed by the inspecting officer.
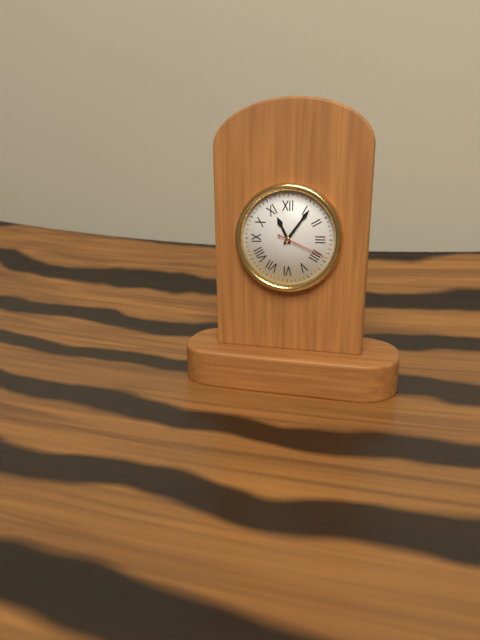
11:06:19
